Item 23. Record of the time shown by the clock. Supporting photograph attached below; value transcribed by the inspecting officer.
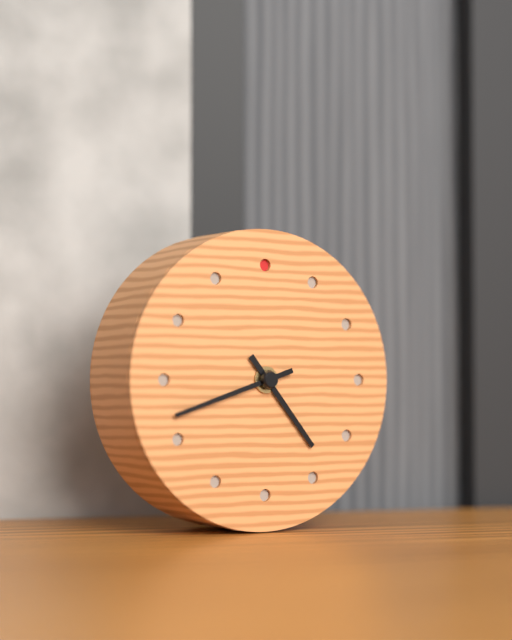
4:42
